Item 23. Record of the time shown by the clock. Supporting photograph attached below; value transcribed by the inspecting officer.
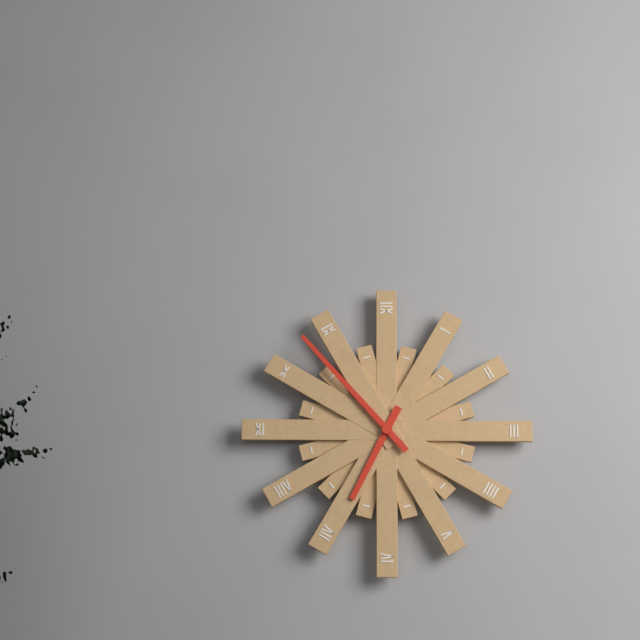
6:53
